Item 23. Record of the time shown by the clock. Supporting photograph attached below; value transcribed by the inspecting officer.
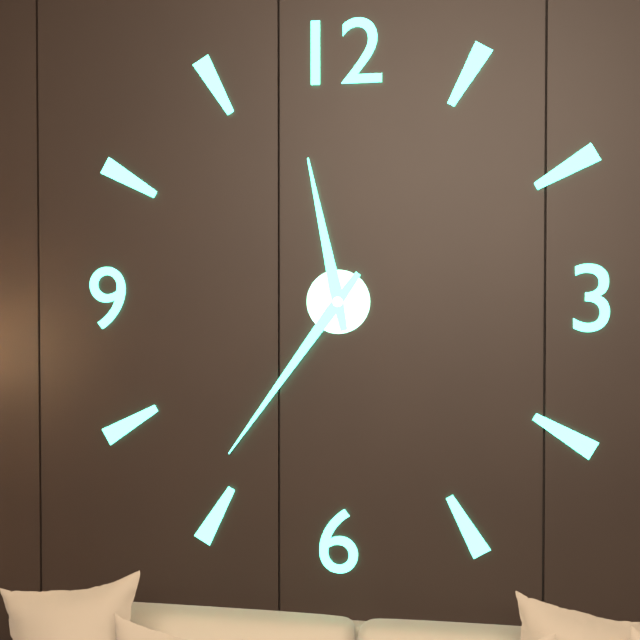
11:36
